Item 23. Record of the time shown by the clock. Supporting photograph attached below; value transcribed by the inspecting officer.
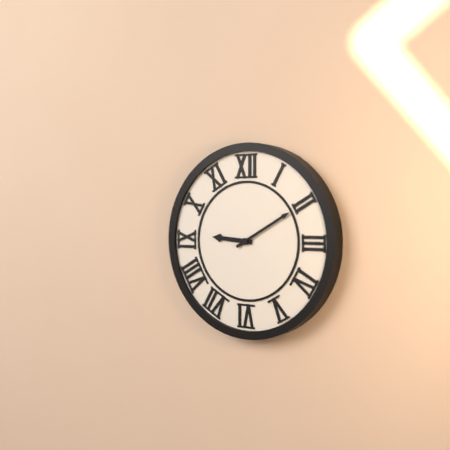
9:10
